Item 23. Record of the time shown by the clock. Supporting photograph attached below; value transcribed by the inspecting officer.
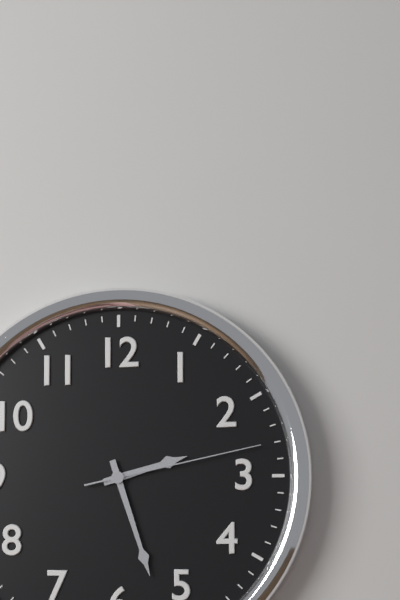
2:27:13
